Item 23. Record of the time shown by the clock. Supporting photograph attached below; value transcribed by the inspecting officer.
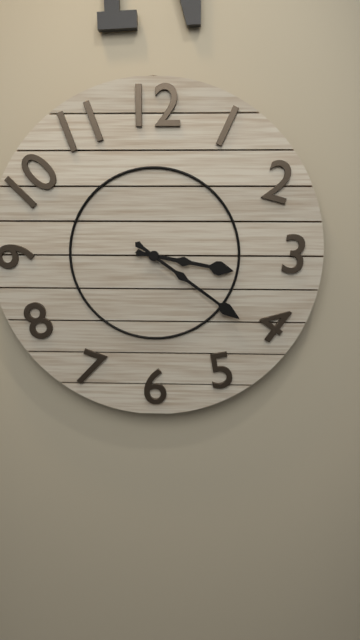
3:21
